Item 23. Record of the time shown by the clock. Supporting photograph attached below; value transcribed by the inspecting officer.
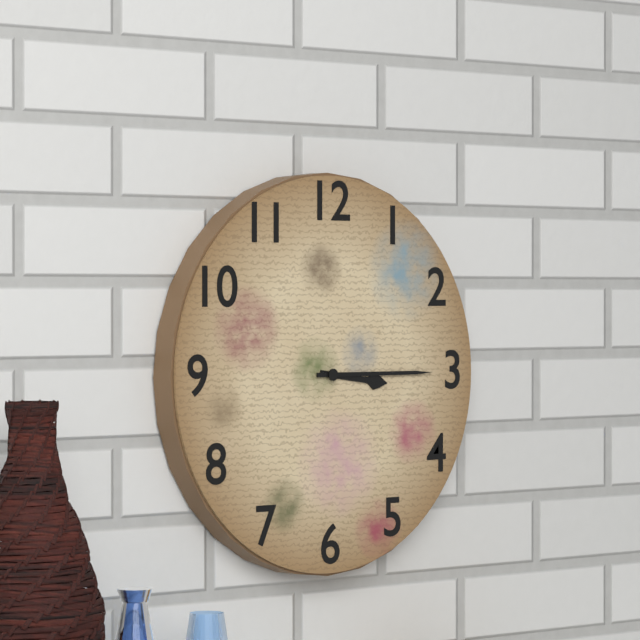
3:15
